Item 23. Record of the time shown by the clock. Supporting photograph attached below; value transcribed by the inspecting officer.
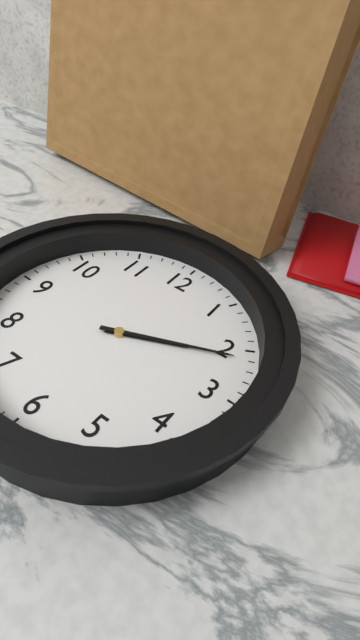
2:11
